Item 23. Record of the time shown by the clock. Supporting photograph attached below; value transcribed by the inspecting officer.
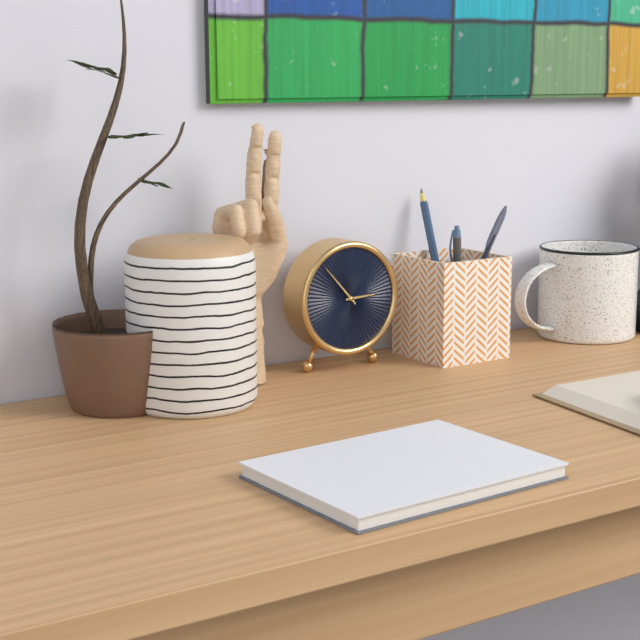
2:53
